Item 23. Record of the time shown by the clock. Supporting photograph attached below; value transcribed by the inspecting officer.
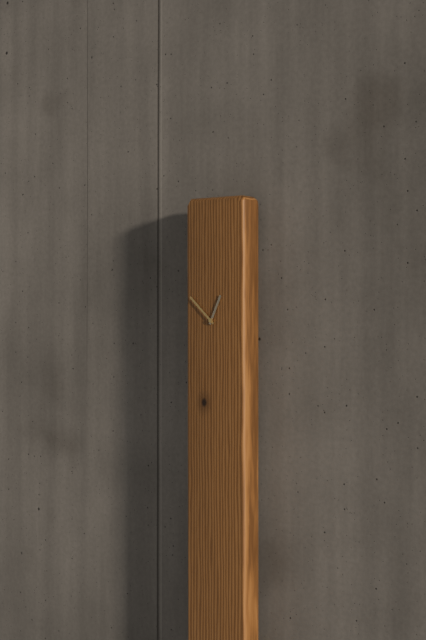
12:52
